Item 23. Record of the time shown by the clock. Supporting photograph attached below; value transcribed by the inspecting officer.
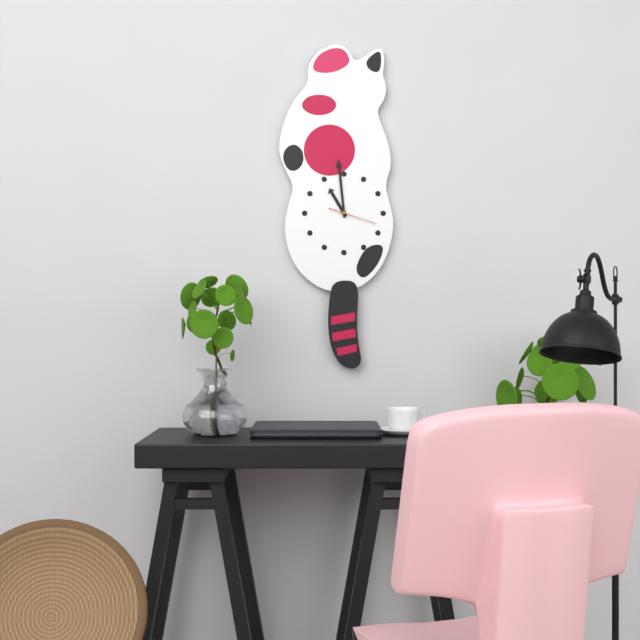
10:59
